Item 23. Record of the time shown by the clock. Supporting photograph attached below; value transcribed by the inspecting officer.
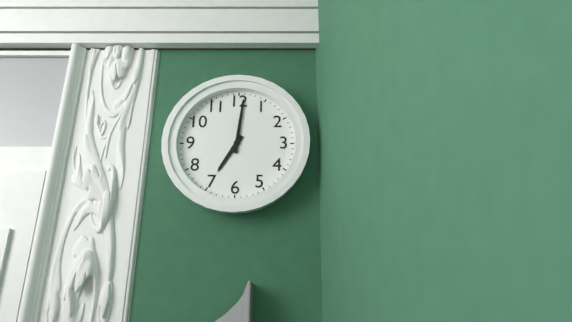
7:01
